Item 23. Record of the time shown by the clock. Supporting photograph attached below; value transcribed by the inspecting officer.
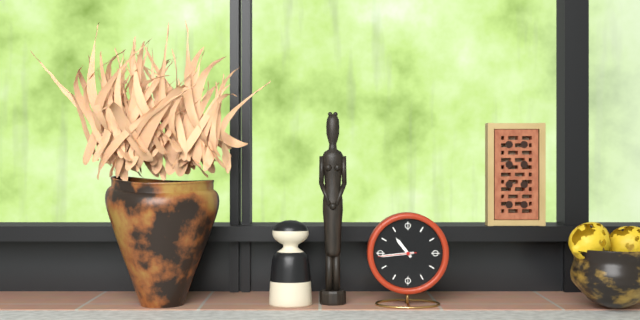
10:44
